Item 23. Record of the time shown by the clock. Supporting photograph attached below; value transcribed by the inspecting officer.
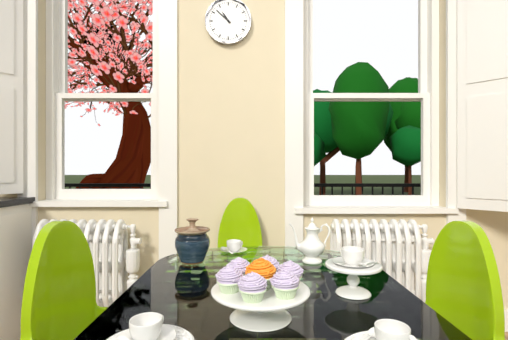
10:52
